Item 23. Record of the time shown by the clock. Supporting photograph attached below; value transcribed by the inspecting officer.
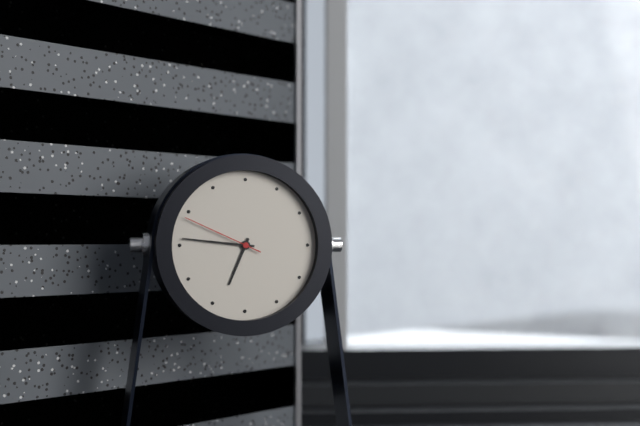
6:46:49
